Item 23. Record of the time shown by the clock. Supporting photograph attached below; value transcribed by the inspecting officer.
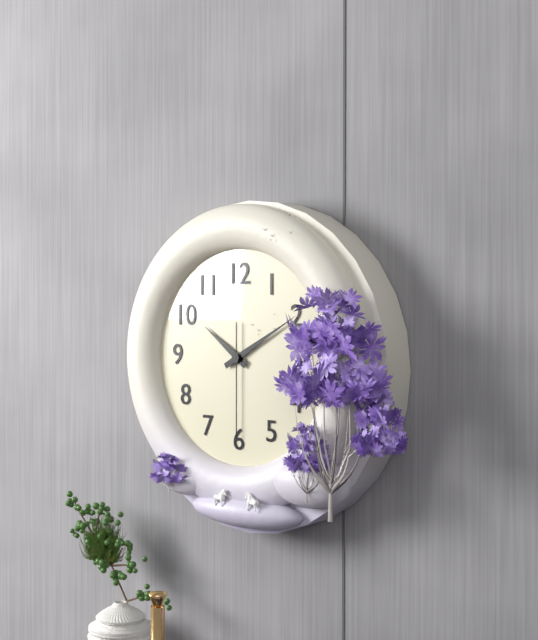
10:10:30
